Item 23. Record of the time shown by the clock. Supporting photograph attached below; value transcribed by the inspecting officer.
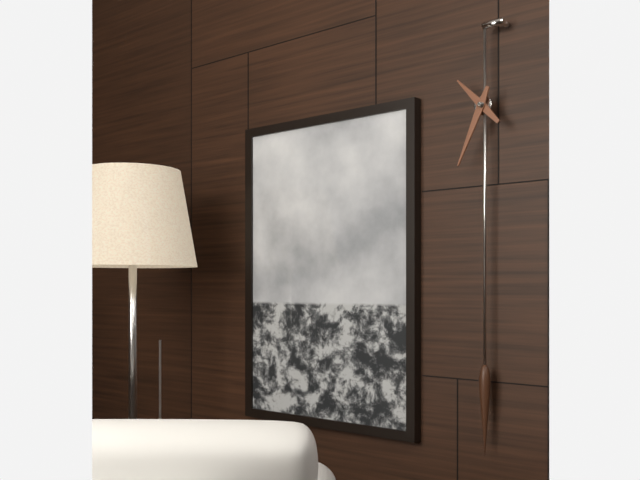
10:34
